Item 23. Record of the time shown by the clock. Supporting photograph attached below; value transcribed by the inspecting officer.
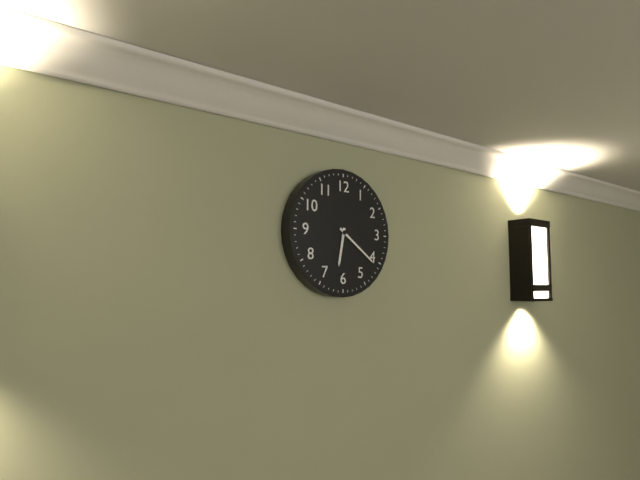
6:21
